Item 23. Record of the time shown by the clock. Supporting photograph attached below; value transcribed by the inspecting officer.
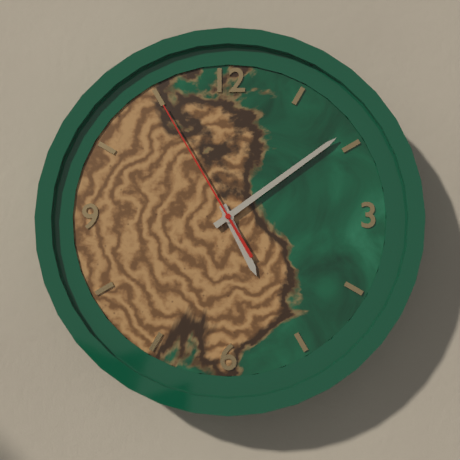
5:09:55
